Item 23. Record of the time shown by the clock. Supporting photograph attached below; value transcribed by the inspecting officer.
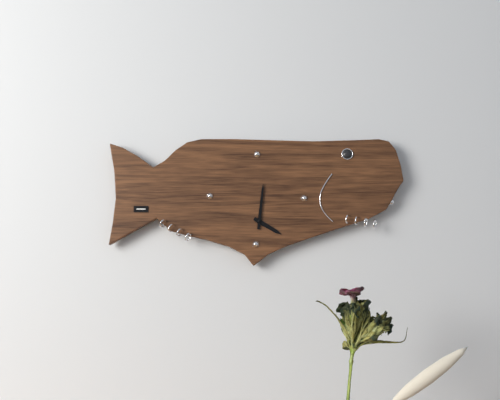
4:01
